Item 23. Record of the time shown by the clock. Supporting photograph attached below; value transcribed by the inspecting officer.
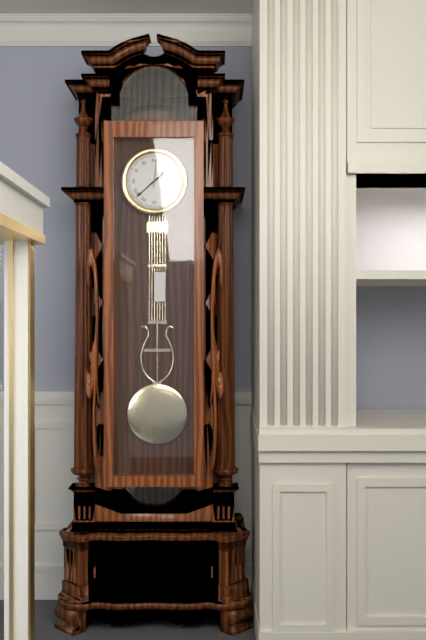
1:38
